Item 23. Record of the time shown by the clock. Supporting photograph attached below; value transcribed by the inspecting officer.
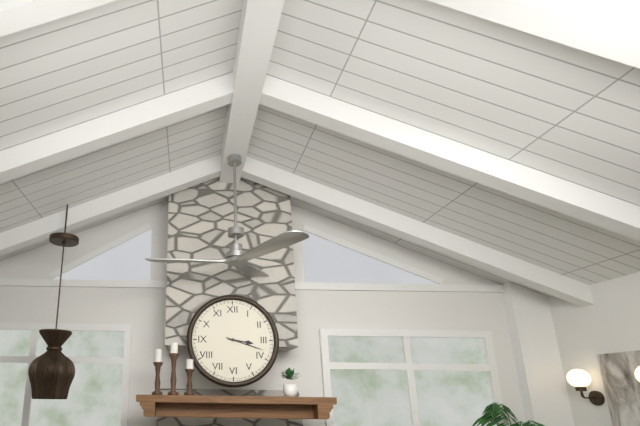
3:18
